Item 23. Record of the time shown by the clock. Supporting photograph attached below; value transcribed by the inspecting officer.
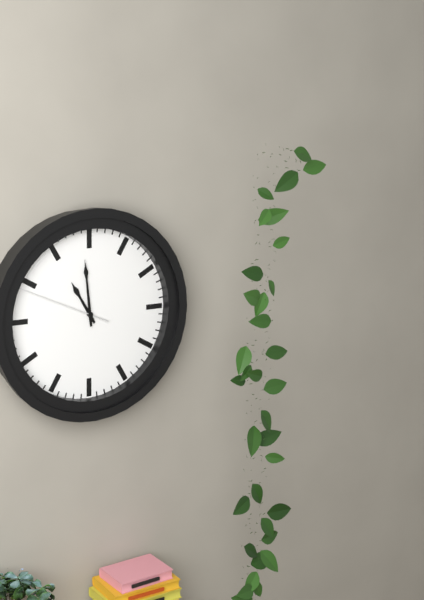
10:59:49
